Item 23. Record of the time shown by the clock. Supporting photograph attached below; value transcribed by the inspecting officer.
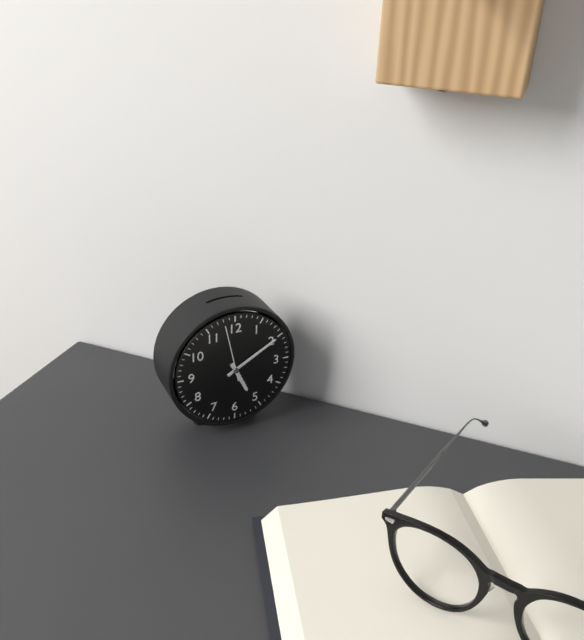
5:10:58
